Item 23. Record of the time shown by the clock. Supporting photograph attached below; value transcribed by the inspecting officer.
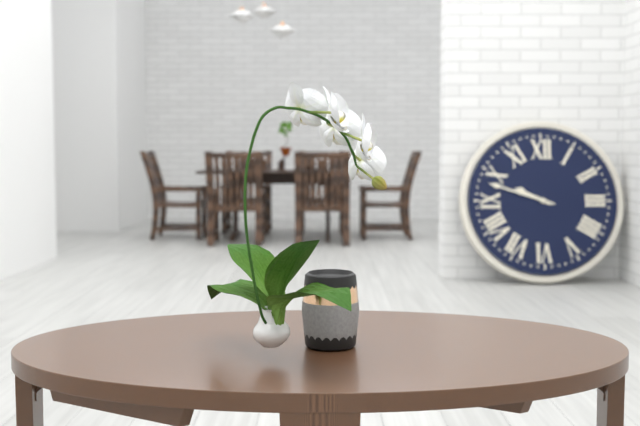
9:48
